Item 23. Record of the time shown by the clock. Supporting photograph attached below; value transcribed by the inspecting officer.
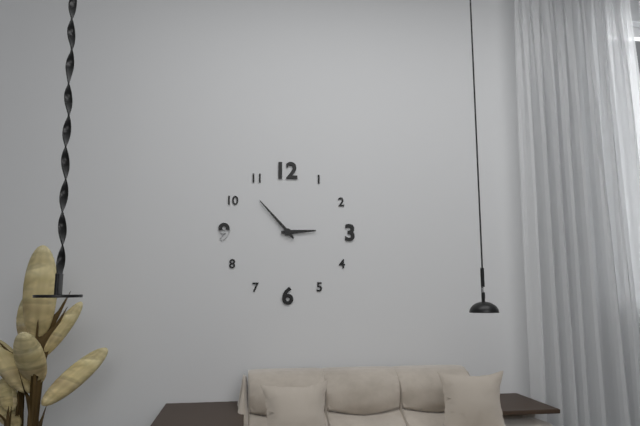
2:53
